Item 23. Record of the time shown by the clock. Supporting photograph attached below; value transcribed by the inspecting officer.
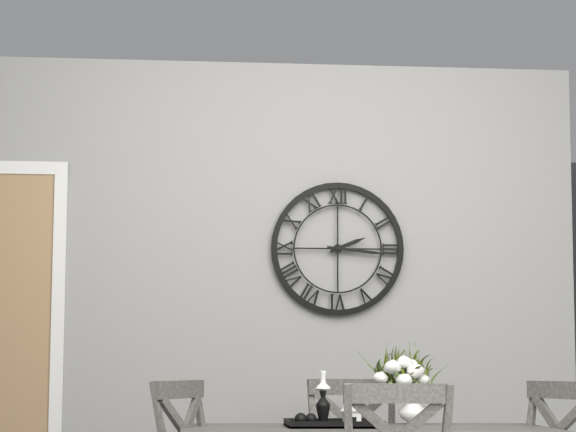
2:16
